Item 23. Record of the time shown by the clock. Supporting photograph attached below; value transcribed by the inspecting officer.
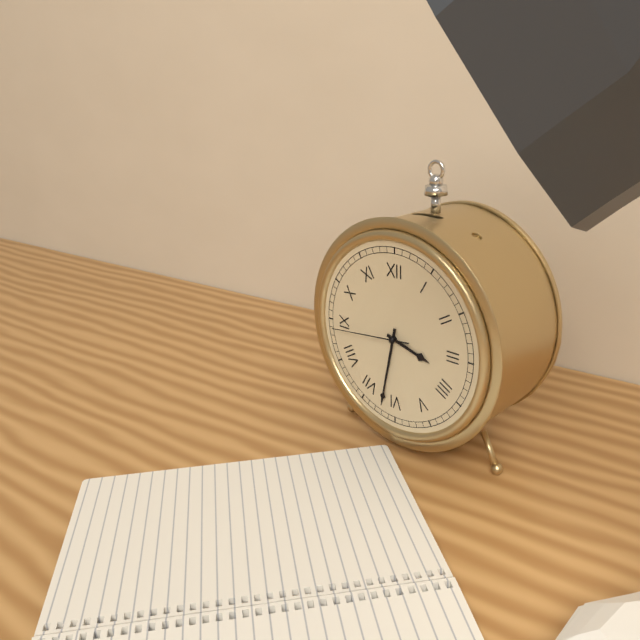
3:32:44
